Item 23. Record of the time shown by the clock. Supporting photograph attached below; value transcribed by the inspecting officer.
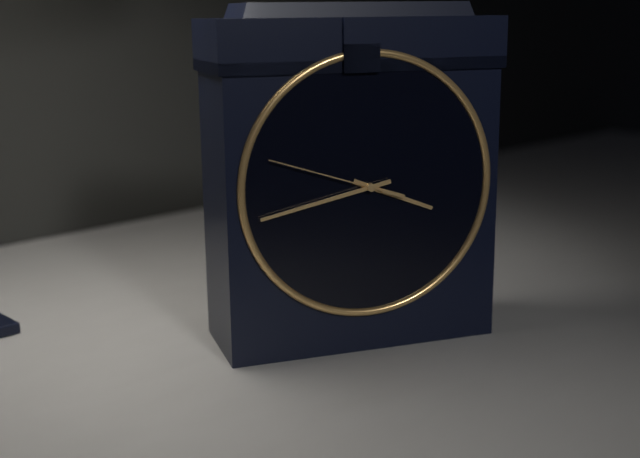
3:43:48
